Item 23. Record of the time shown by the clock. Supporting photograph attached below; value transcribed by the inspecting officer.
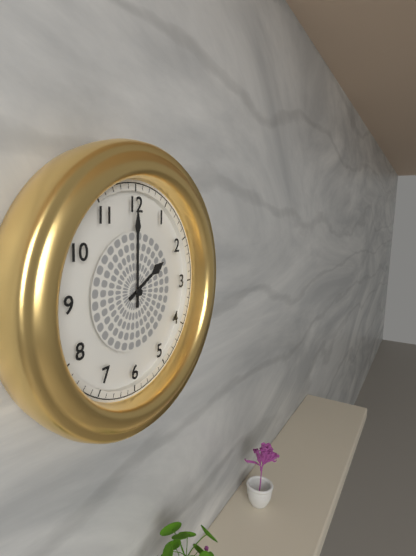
2:00
